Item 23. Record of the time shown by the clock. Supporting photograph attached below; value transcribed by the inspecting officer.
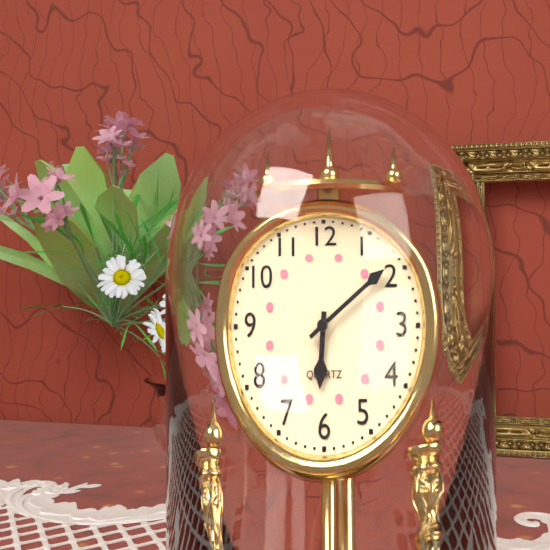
6:09
